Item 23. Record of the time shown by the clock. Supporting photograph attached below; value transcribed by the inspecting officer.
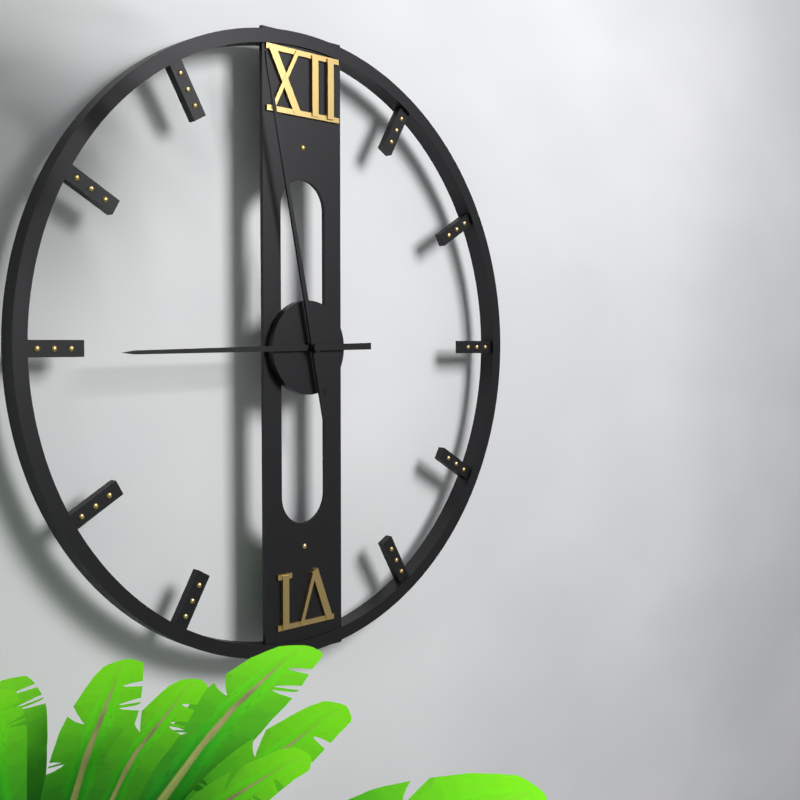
8:58
